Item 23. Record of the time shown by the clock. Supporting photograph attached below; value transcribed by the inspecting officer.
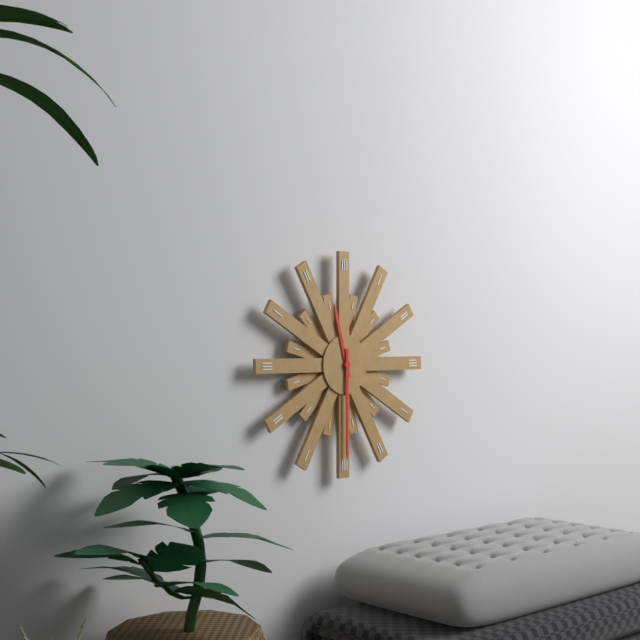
11:30
